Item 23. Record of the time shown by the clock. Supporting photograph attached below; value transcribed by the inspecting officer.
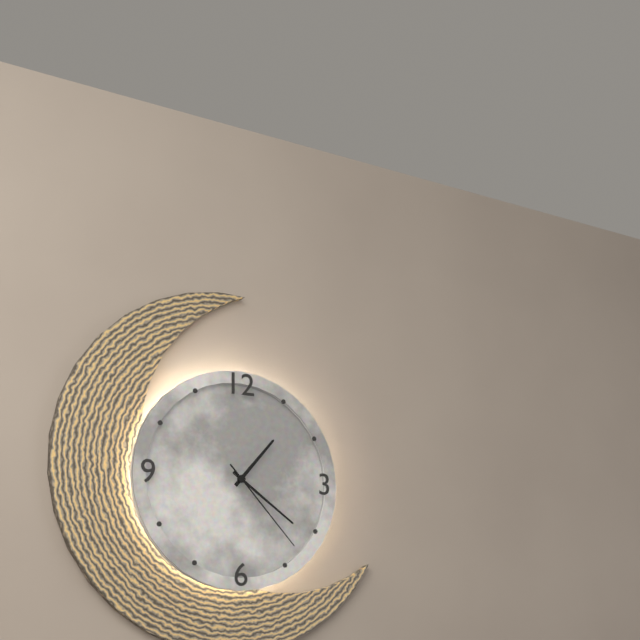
1:21:23
